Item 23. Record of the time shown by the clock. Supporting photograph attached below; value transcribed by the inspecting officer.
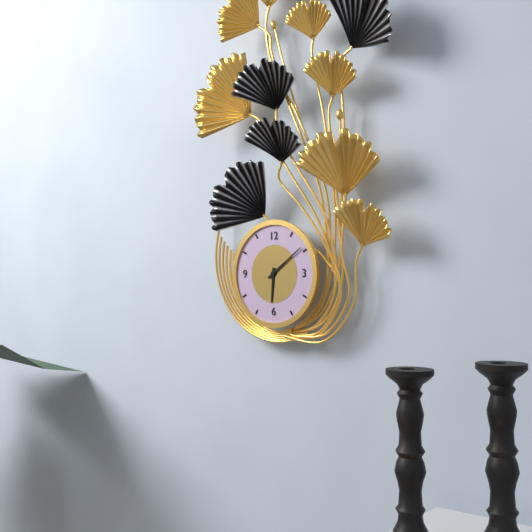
6:09
